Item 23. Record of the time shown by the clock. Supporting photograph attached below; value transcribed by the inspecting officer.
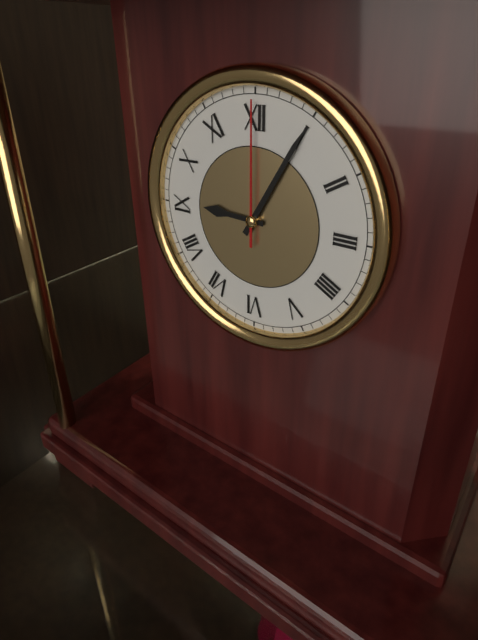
9:05:00
